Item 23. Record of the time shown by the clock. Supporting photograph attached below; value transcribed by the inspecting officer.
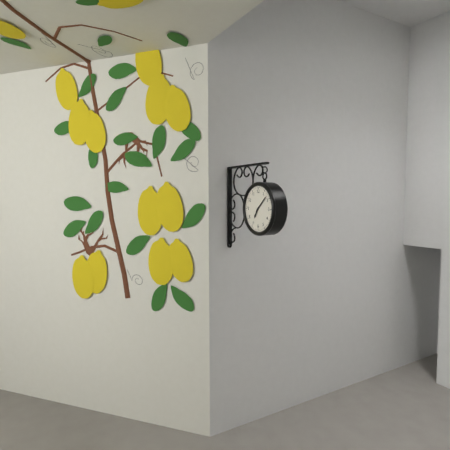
7:08
